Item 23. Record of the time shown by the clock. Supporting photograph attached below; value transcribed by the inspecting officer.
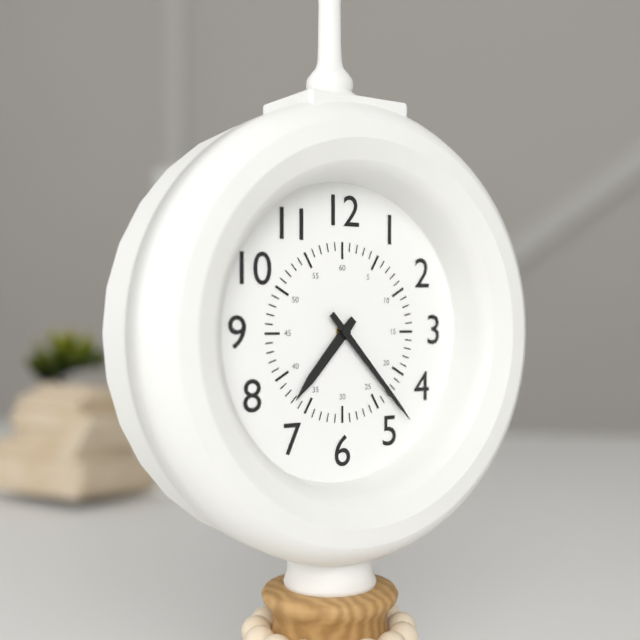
7:23
